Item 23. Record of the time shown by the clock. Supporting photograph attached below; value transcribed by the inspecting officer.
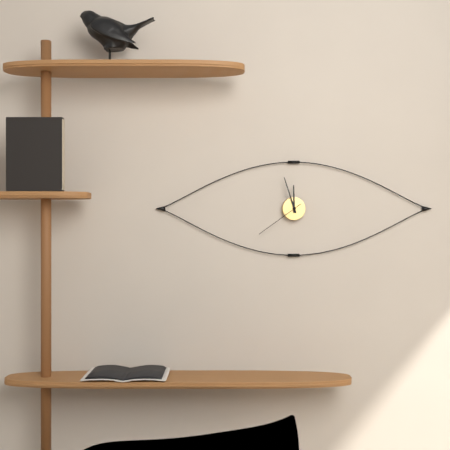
11:57:39
